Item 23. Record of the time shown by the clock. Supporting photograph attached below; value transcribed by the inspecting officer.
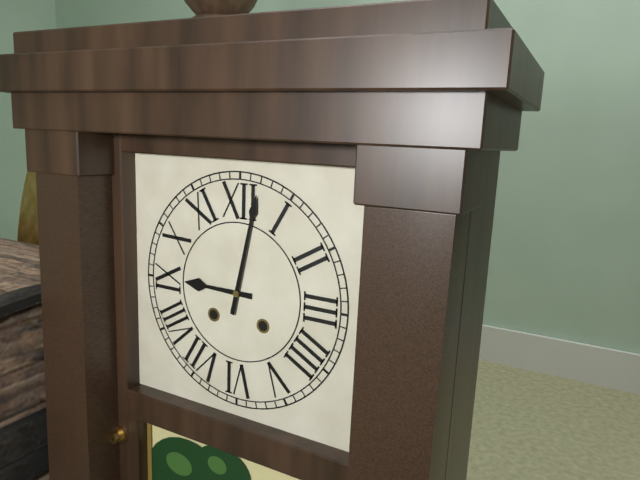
9:02
